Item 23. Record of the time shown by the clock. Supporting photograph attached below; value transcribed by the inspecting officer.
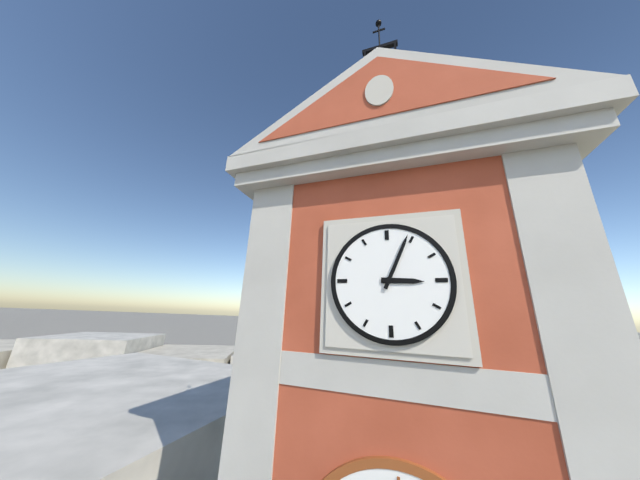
3:04
